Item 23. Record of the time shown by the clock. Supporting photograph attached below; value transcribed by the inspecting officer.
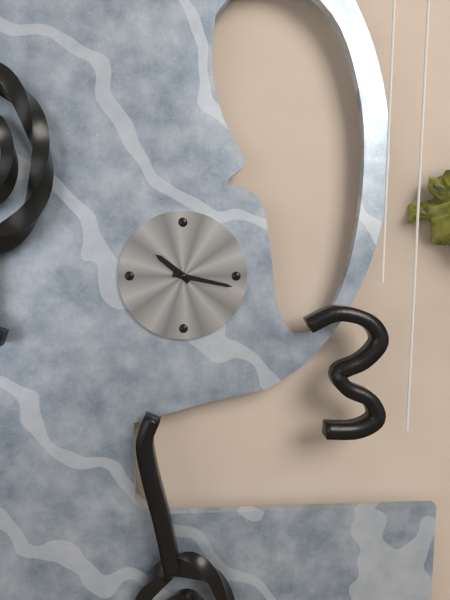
10:17
